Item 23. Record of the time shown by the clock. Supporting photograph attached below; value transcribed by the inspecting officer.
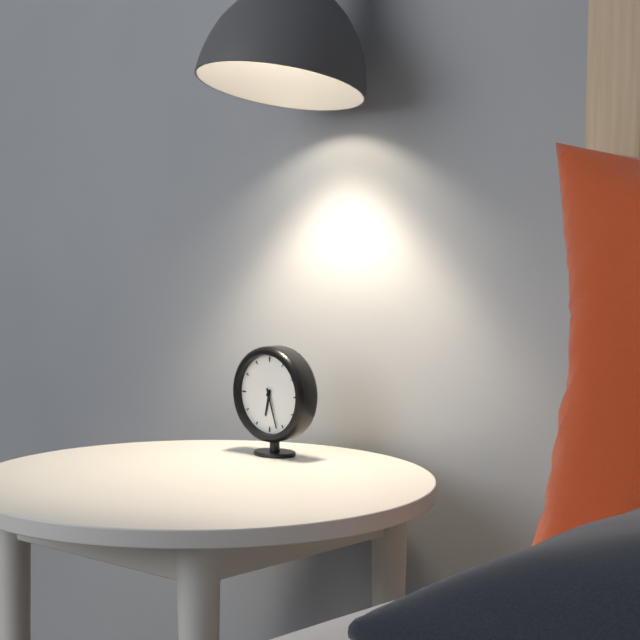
6:27
